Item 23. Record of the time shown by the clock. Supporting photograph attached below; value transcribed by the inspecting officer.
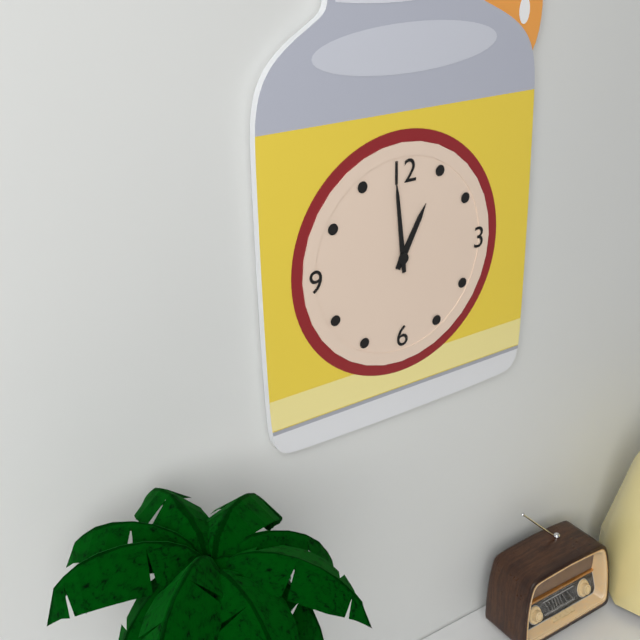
12:59
